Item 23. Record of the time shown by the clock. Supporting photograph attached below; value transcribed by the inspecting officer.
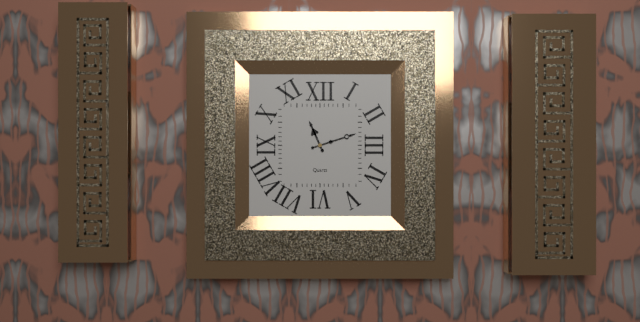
11:12
